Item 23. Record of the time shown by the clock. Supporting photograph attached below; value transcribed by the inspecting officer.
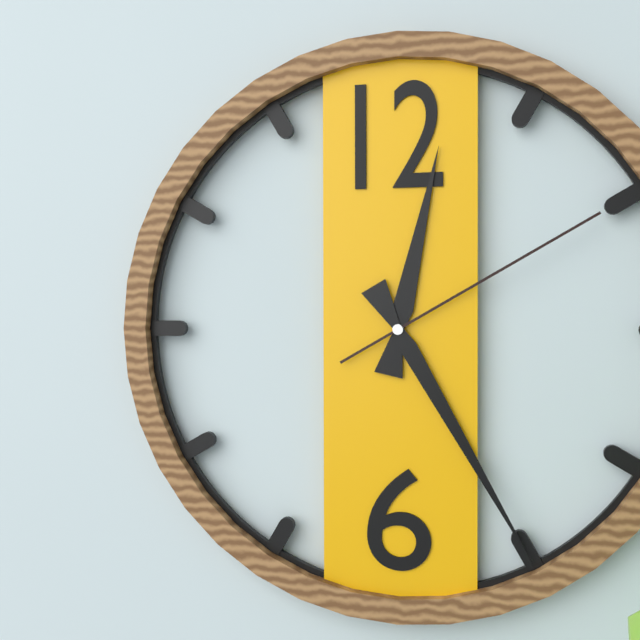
12:25:10
